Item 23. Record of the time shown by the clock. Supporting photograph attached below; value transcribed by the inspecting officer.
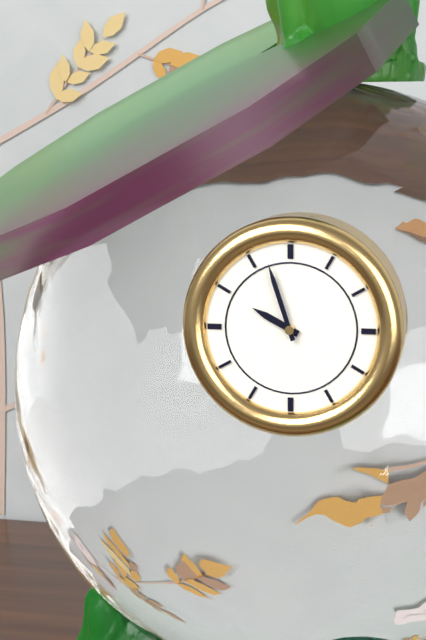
9:57
